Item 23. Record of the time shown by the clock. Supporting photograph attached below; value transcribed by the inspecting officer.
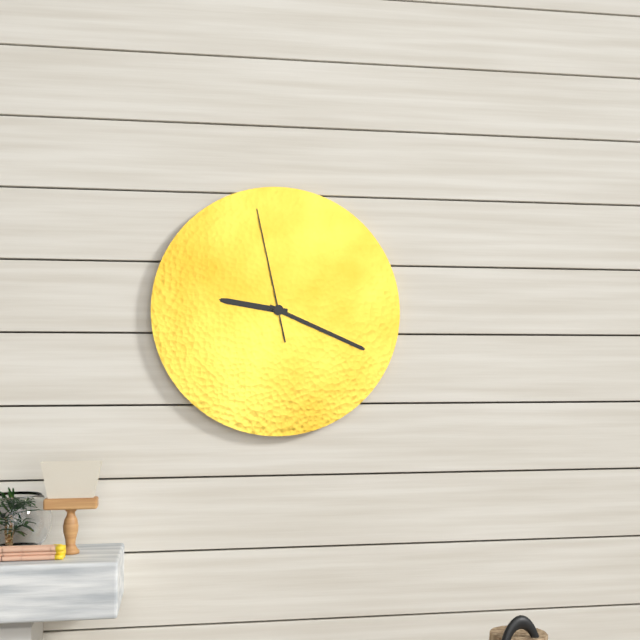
9:19:58
